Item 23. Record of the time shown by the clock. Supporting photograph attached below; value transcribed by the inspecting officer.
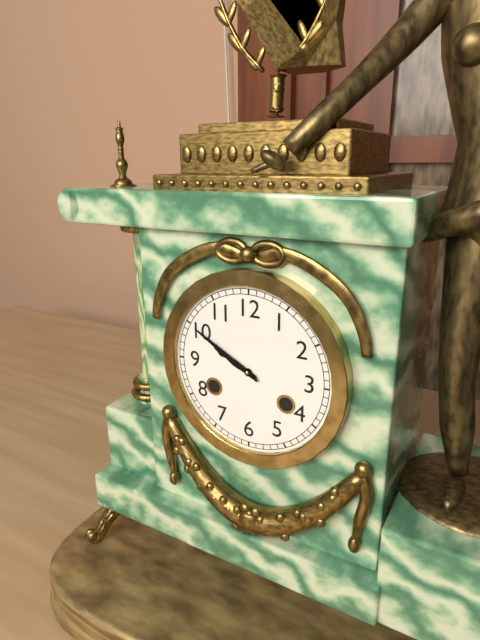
9:50
